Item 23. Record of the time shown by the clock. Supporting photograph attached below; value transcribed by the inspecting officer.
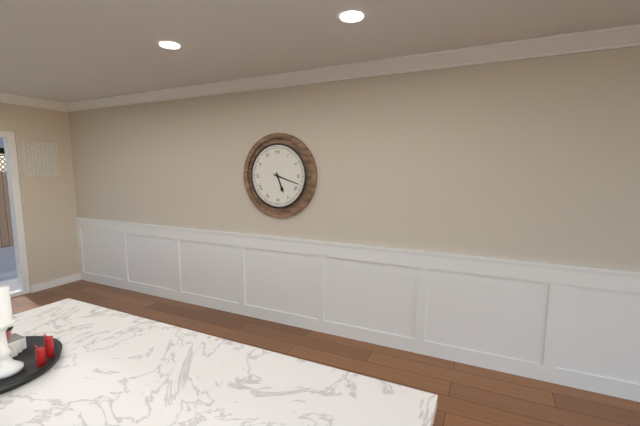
5:18
